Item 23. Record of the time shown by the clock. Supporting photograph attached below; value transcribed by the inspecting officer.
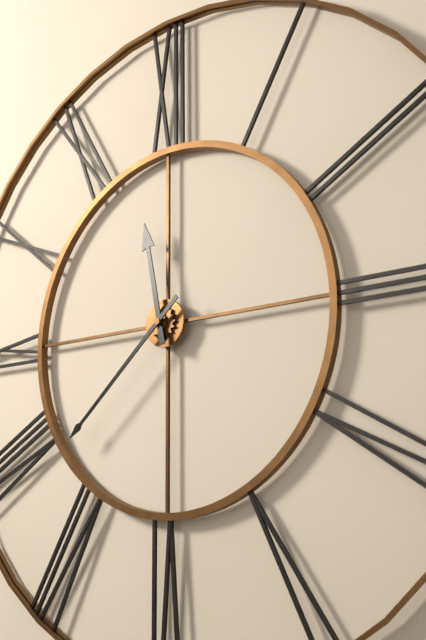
11:38
